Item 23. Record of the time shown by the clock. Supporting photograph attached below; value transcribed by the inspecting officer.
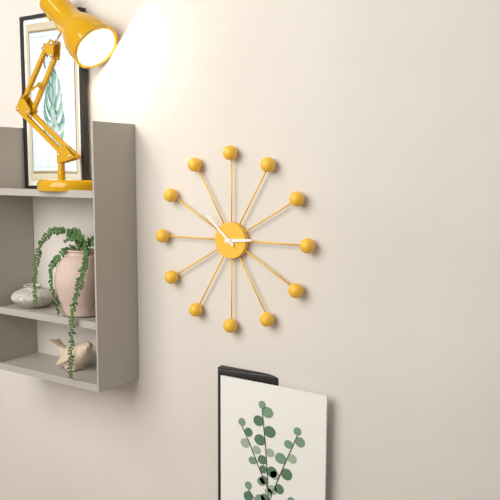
2:52
